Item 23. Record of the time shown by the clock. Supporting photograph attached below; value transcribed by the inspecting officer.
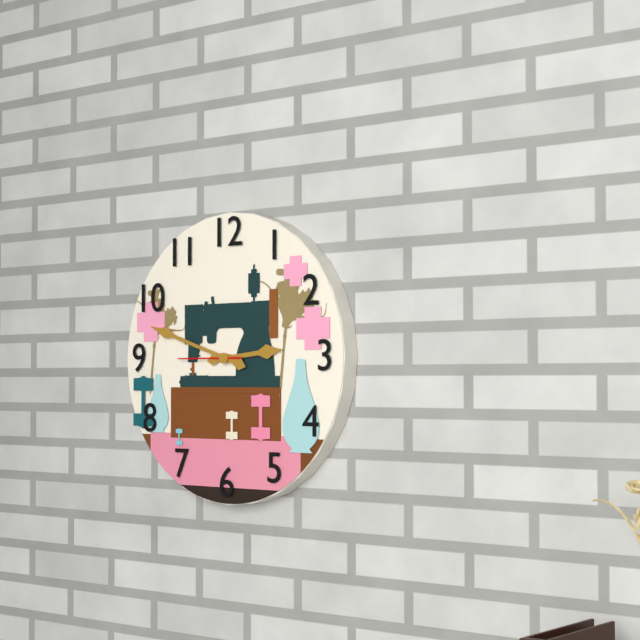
2:48:45
